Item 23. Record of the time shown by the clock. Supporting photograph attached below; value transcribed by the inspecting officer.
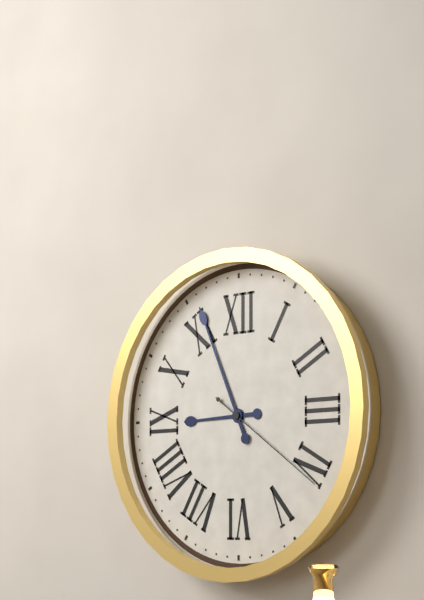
8:56:21
